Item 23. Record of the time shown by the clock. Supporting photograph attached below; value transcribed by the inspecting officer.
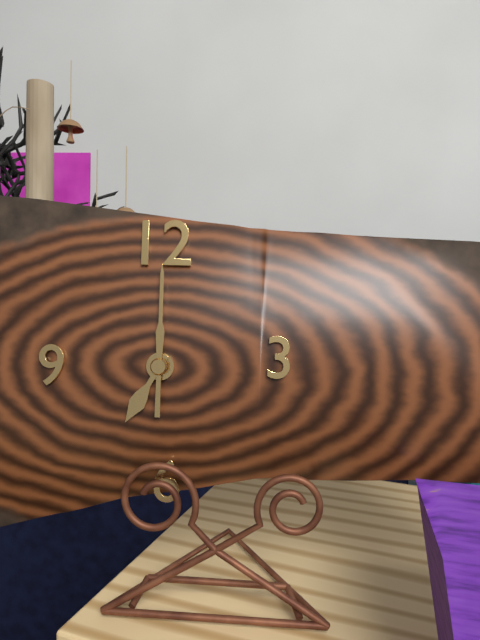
7:00
